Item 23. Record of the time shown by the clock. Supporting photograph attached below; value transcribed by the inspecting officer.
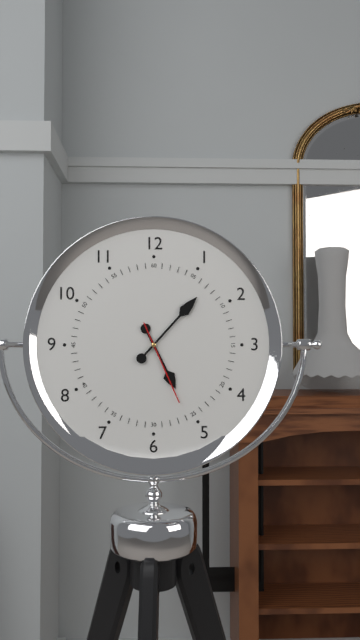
5:07:26
